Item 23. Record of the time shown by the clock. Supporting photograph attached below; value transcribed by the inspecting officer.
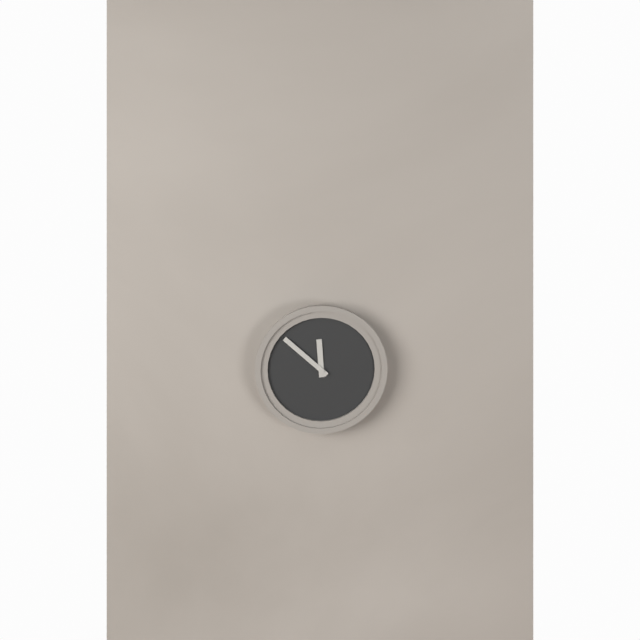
11:52
